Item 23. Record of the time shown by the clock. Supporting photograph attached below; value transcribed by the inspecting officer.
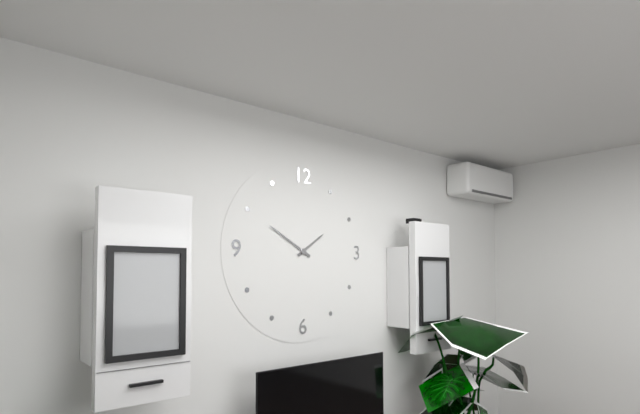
1:50
